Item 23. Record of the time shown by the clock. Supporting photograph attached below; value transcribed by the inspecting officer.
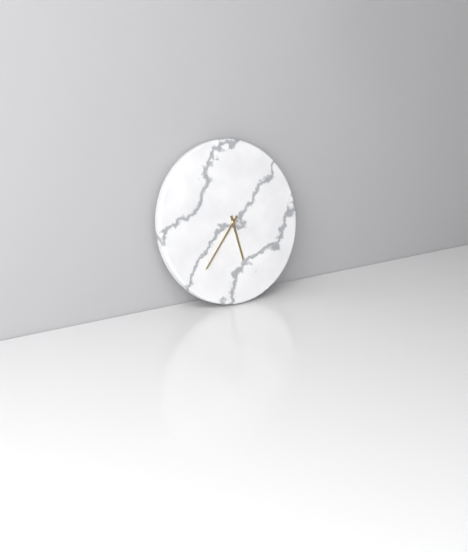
5:37
